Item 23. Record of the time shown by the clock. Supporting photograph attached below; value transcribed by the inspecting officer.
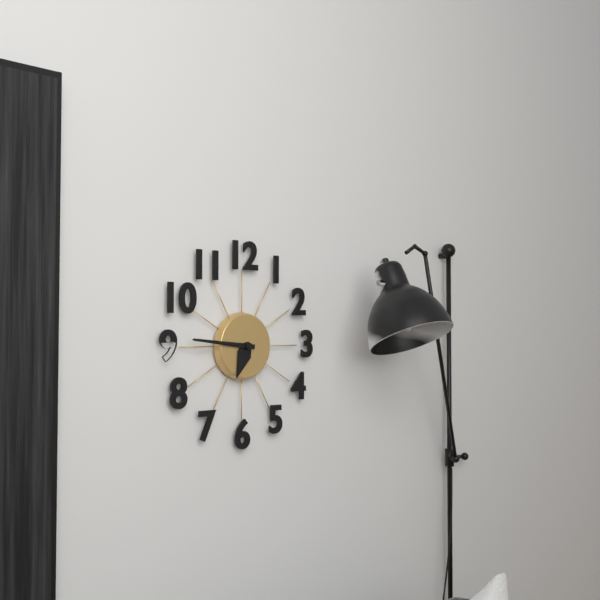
6:46
